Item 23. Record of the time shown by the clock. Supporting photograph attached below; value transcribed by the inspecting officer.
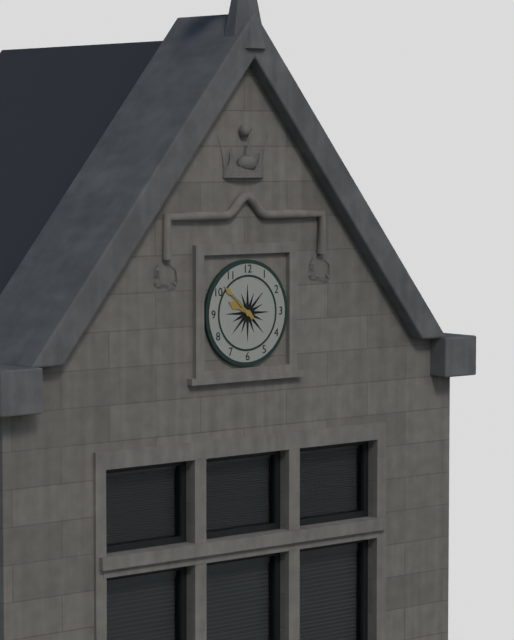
9:52
